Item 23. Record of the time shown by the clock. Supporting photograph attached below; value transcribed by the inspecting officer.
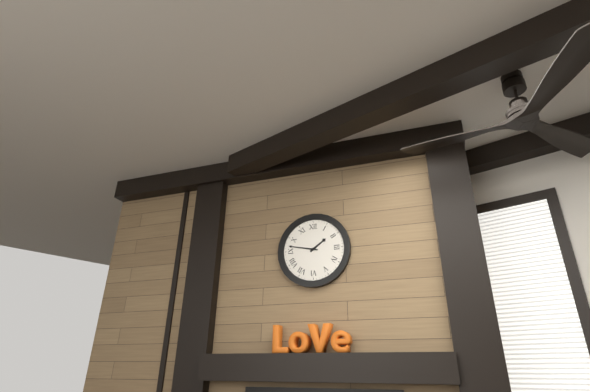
1:47
